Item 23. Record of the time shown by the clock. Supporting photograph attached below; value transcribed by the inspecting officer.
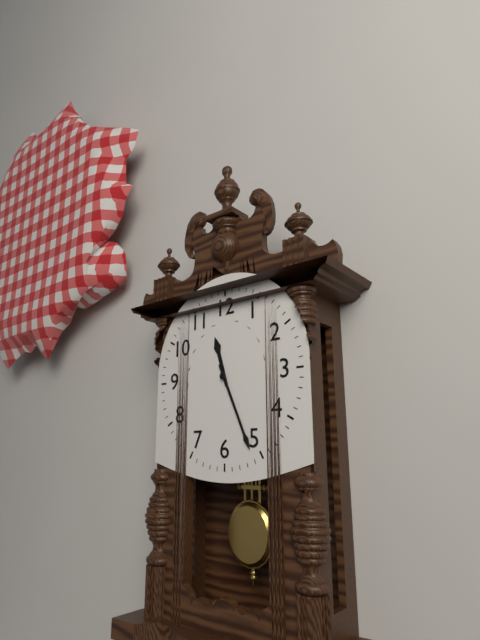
11:26
